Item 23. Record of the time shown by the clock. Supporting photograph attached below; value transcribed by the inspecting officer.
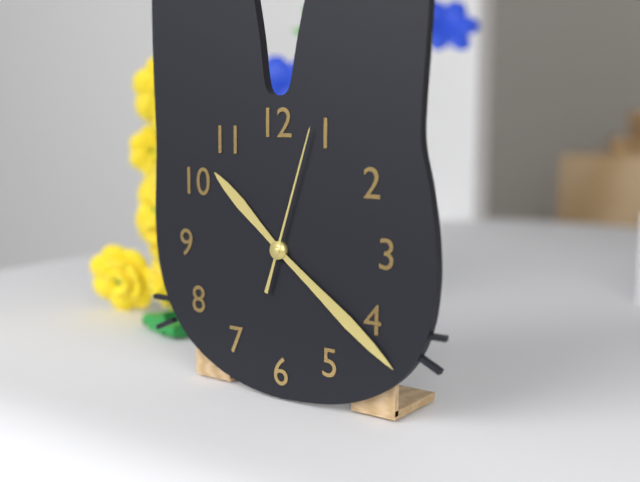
10:21:03
